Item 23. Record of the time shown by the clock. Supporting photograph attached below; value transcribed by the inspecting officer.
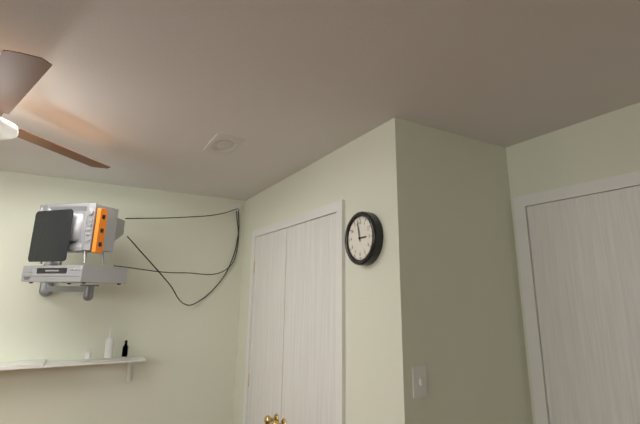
2:58
